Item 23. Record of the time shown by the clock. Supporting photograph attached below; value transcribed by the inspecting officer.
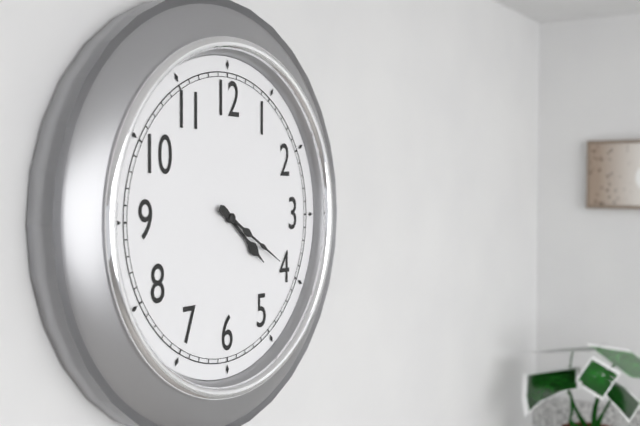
4:20
